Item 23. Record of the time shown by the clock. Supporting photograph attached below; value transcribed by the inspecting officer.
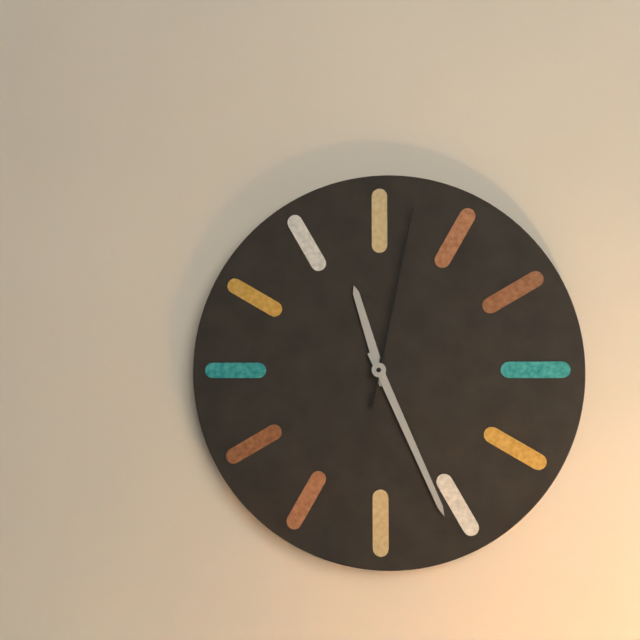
11:26:02
